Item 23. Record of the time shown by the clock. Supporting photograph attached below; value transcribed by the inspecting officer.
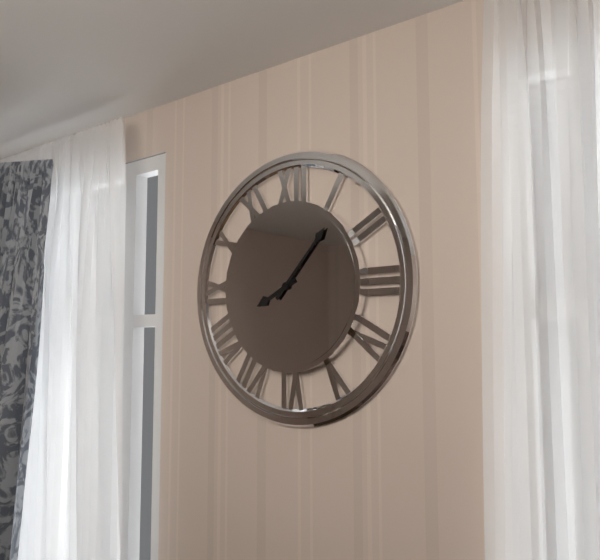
8:07
